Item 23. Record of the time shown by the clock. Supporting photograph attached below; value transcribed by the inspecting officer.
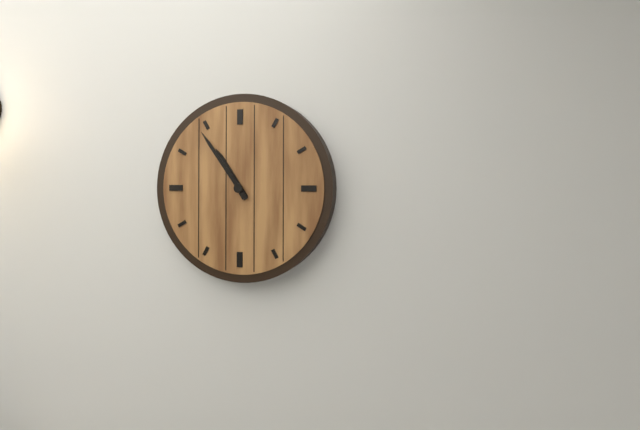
10:54
